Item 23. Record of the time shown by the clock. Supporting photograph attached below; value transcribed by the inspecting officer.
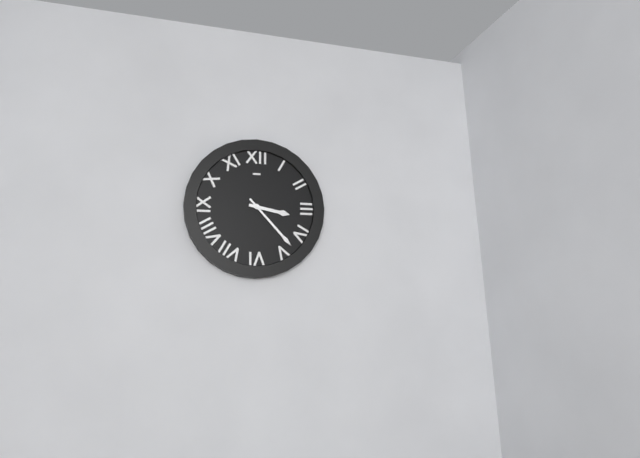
3:23
